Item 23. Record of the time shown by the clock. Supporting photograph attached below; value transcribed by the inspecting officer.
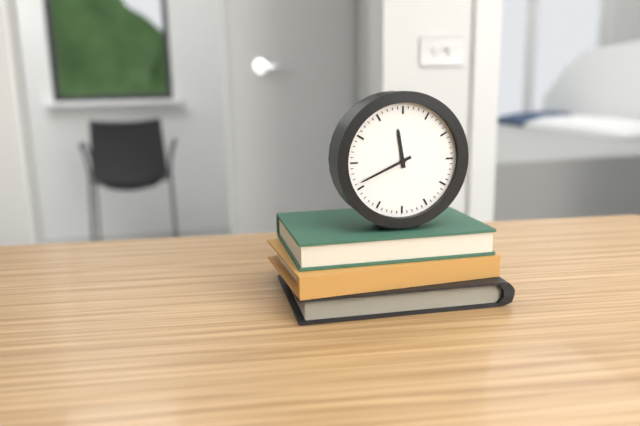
11:41
